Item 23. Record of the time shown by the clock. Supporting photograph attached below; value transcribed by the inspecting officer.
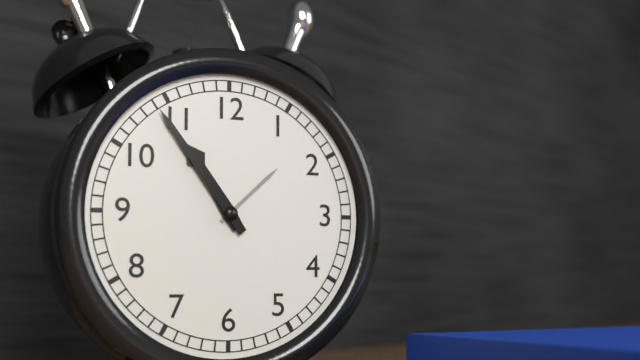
10:54
